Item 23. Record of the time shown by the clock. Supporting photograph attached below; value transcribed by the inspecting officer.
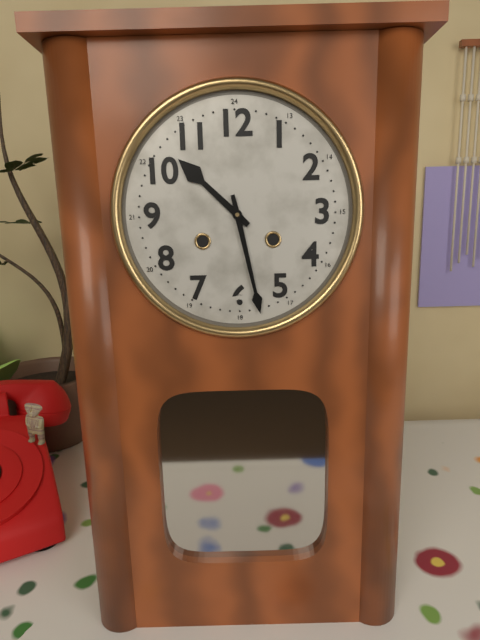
10:28
